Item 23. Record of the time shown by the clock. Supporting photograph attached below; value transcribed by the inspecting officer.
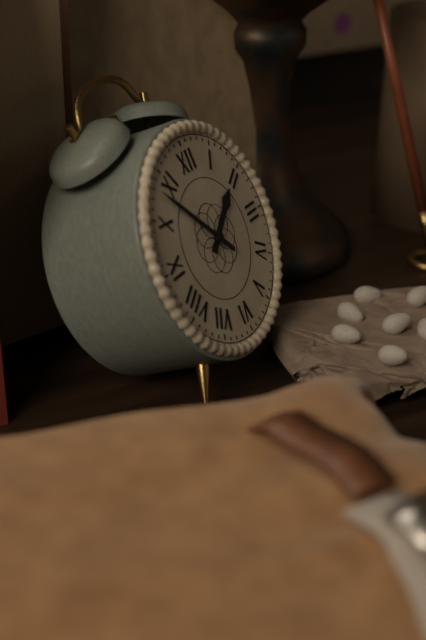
1:53
